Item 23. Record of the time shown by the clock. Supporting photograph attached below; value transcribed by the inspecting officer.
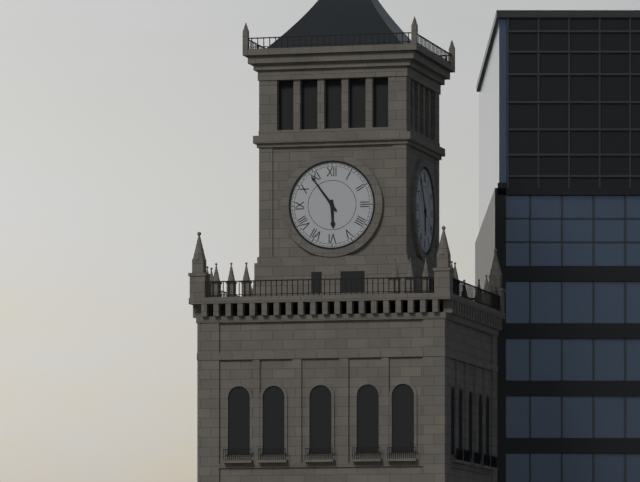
5:54
